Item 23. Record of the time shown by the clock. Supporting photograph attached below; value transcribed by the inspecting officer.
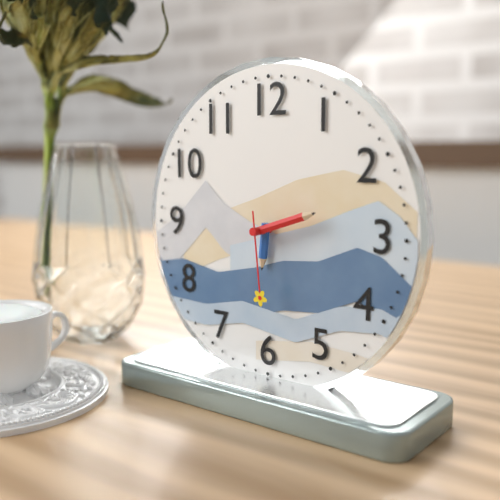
6:12:29
